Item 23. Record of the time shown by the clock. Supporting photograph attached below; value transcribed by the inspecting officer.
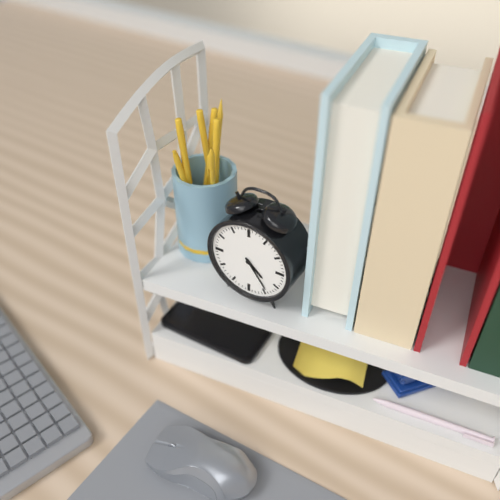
4:24
